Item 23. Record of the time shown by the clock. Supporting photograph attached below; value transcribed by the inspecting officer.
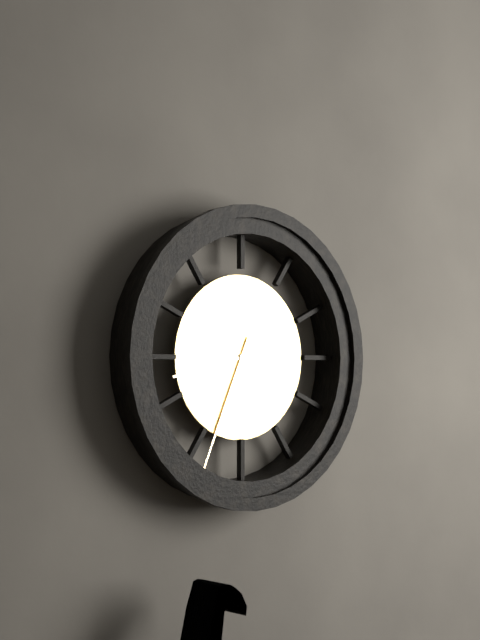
8:34
